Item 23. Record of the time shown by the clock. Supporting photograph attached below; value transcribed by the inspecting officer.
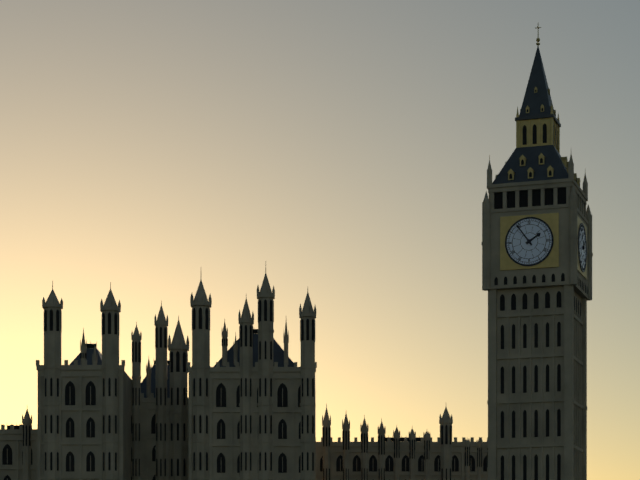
1:54
